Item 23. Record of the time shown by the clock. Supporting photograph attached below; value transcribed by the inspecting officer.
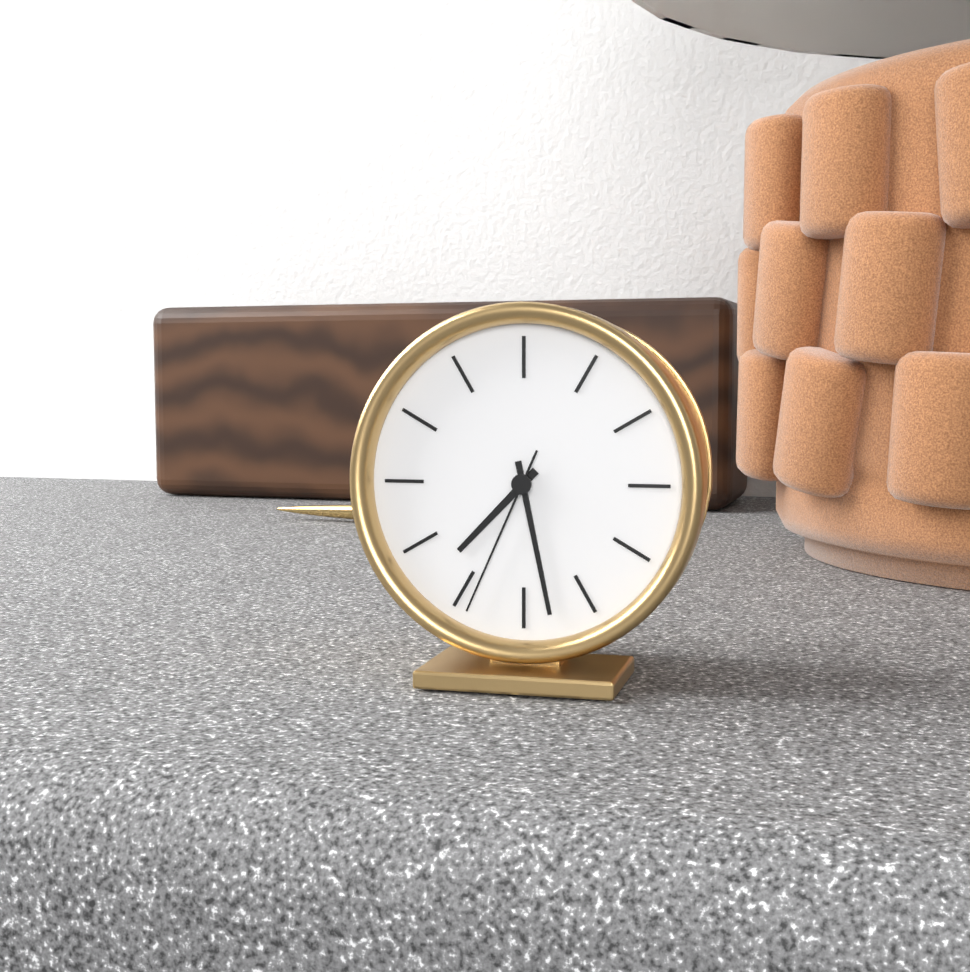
7:28:34
